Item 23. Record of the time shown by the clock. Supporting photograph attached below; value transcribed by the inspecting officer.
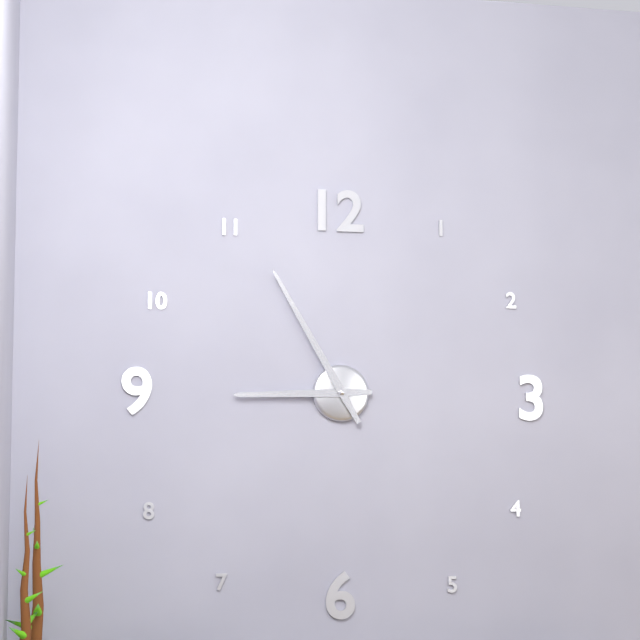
8:55
